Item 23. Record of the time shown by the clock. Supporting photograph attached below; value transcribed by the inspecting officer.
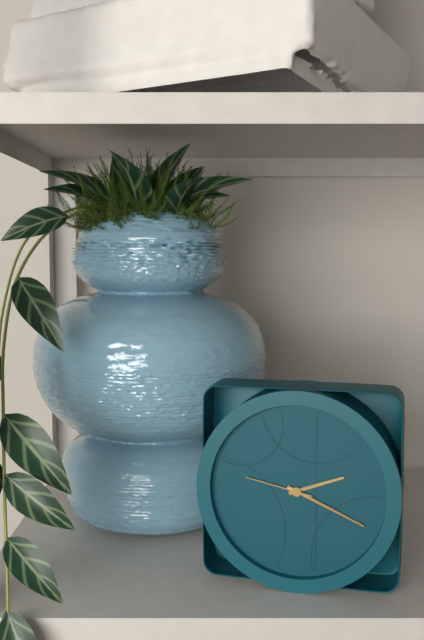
2:19:47
